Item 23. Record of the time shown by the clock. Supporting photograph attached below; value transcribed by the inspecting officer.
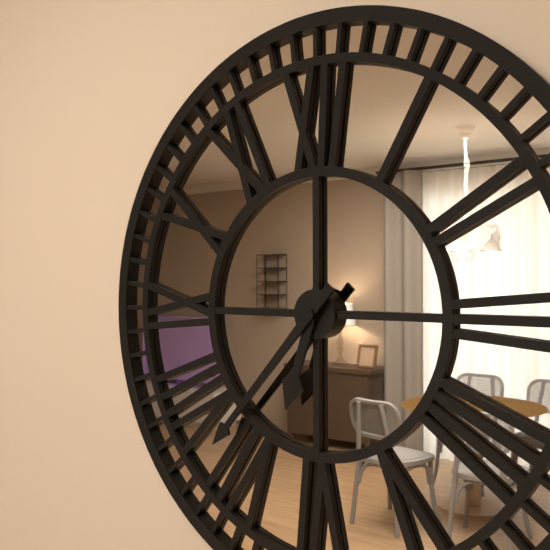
6:37
